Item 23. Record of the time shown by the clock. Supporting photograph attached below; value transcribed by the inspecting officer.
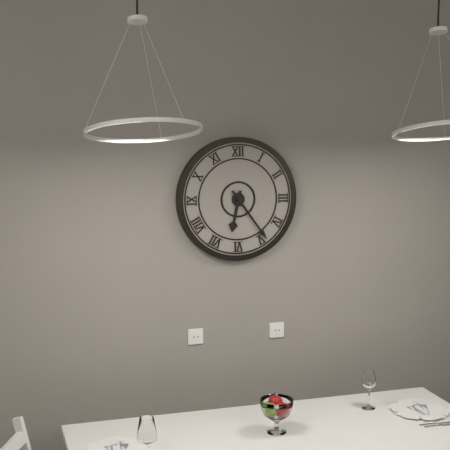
6:24
